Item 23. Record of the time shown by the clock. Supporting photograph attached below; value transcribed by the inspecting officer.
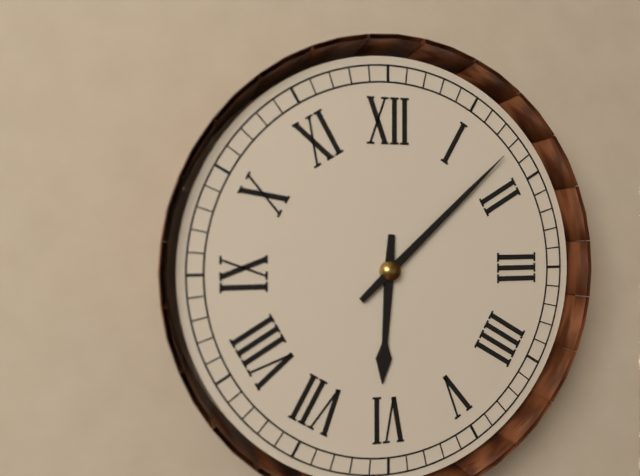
6:08
